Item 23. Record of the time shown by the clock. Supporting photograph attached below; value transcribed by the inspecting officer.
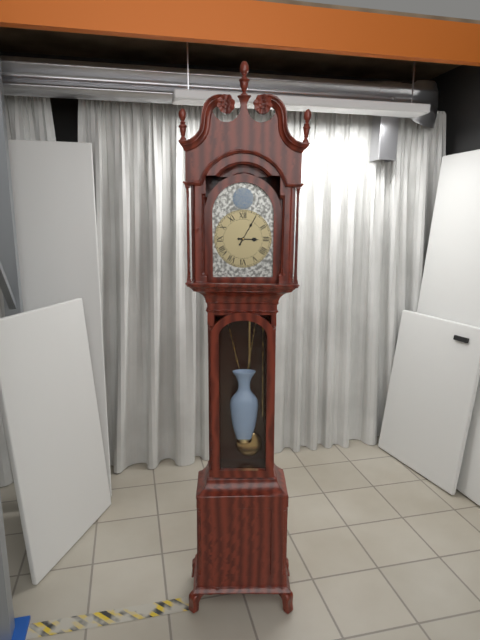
3:05
